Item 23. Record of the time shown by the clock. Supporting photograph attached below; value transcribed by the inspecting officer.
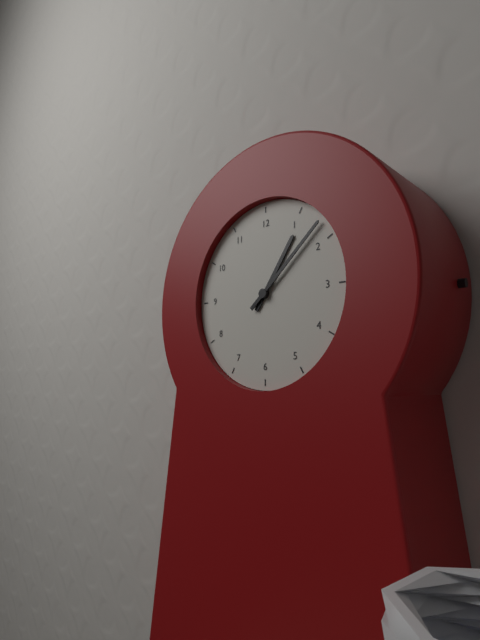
1:08
